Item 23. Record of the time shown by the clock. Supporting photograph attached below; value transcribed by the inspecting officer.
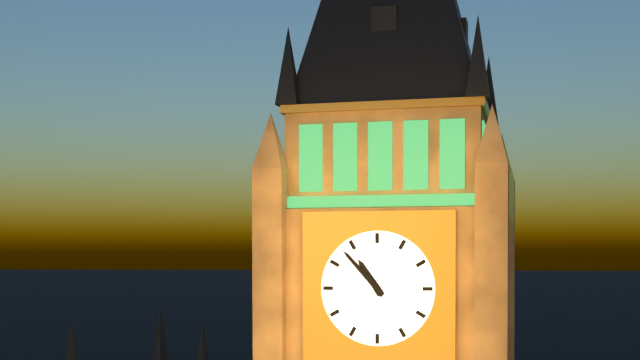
10:53
